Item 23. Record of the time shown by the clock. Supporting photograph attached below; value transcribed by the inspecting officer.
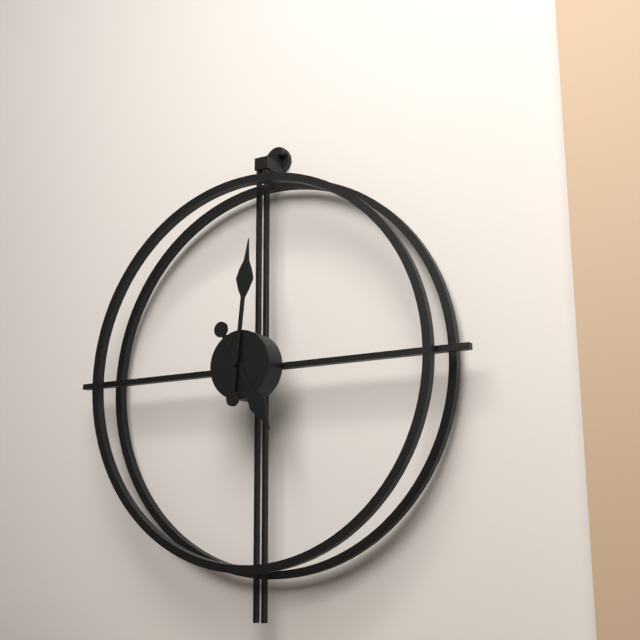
5:01
